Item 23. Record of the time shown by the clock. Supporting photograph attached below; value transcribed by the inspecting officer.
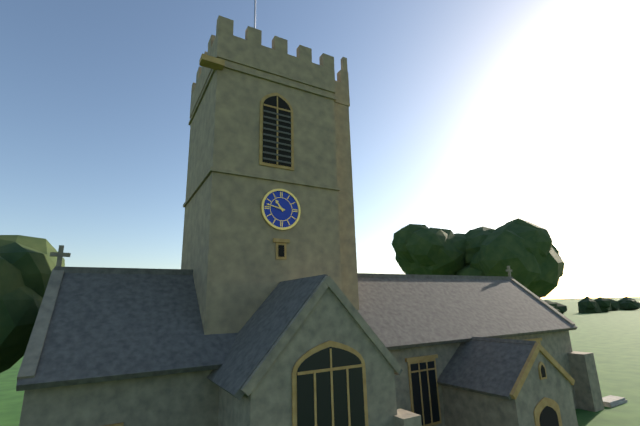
10:47
